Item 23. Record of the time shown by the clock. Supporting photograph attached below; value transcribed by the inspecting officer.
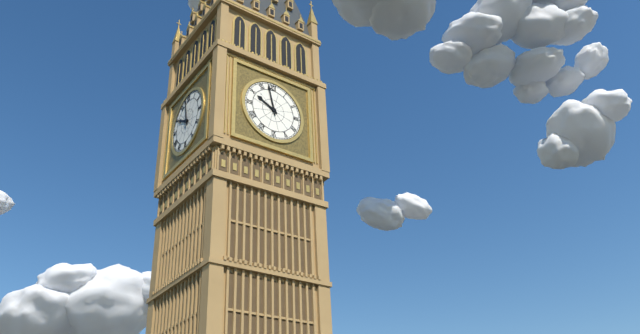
9:58
